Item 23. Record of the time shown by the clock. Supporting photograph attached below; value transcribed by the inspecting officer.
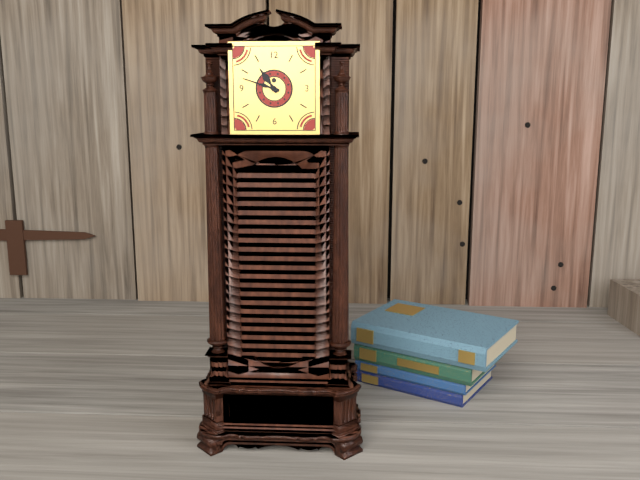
10:48
